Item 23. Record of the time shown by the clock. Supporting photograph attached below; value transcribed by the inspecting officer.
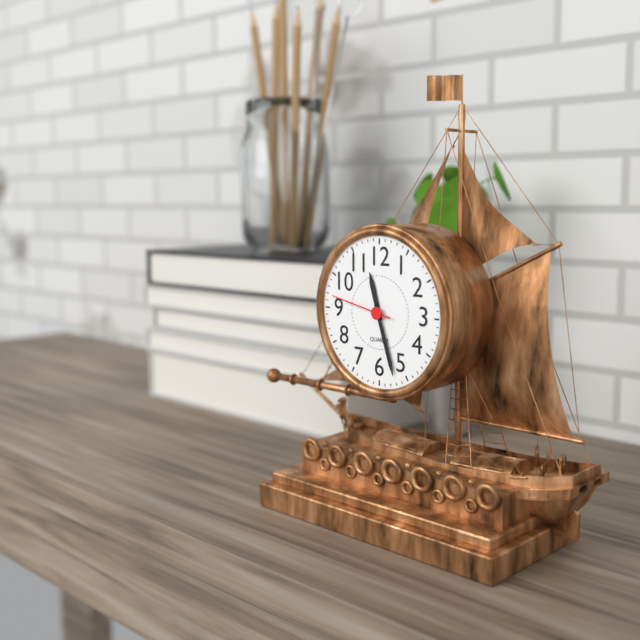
11:27:47
